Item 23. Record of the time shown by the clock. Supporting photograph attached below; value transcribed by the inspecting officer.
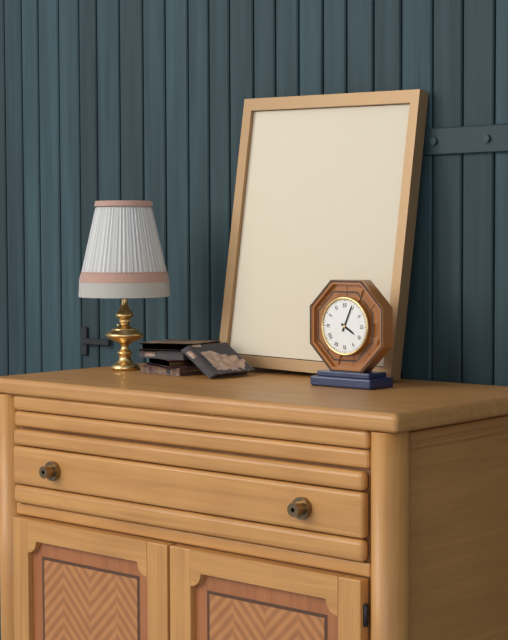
4:04
